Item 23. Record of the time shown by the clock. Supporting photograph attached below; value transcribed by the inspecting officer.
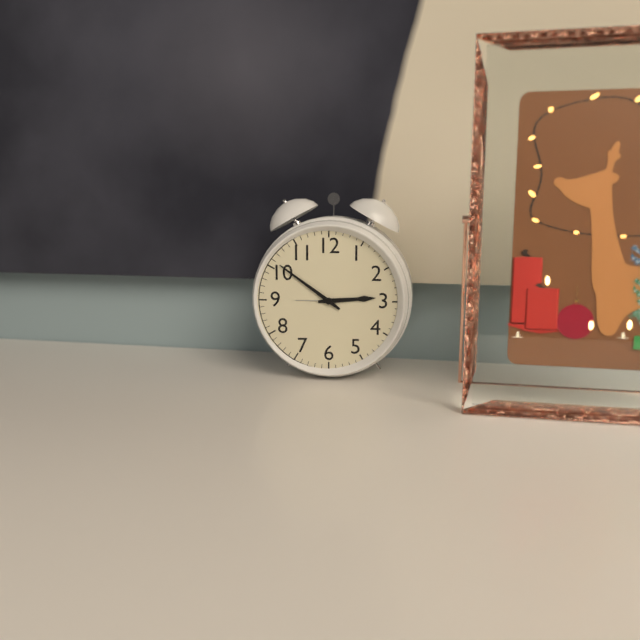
2:51
